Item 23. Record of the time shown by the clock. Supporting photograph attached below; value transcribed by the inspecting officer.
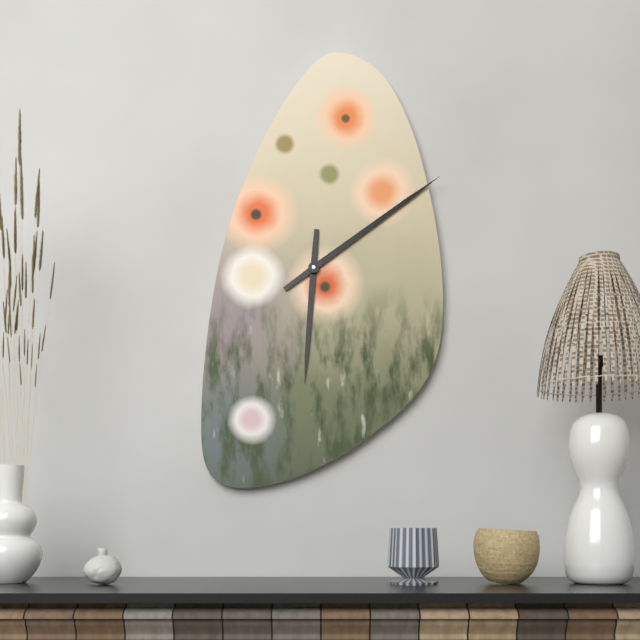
6:09
